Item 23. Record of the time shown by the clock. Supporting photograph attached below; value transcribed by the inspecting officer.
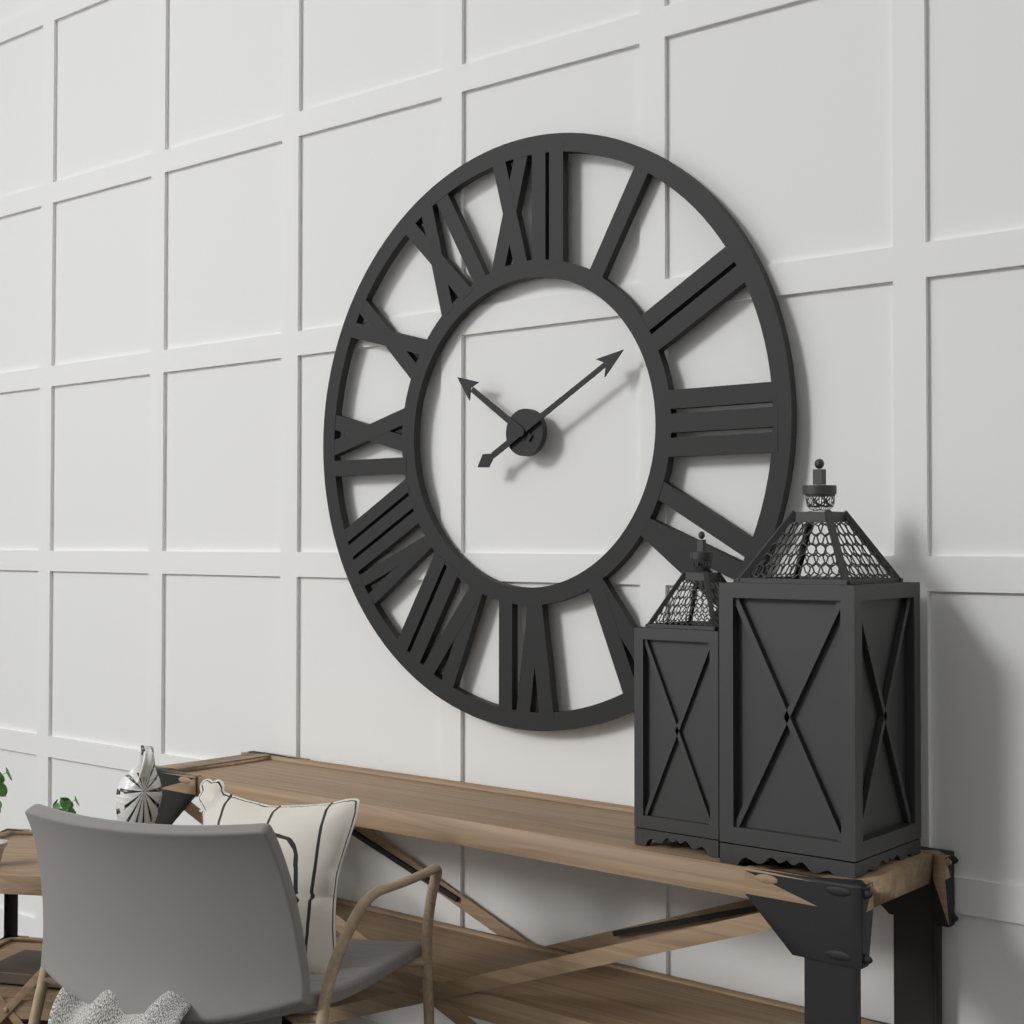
10:10
